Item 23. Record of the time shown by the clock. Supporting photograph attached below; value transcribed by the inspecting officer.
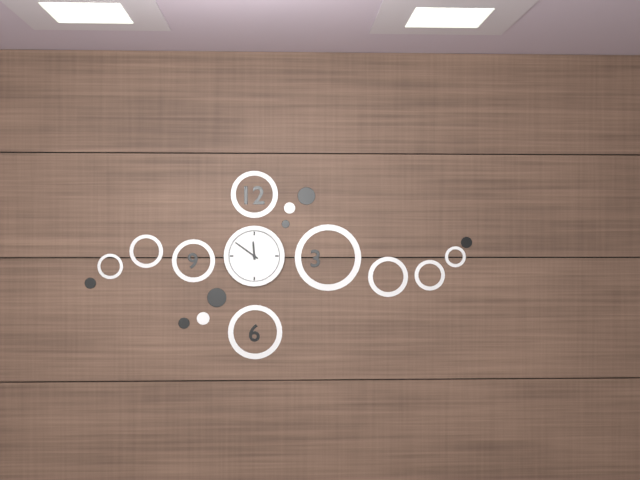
11:51
